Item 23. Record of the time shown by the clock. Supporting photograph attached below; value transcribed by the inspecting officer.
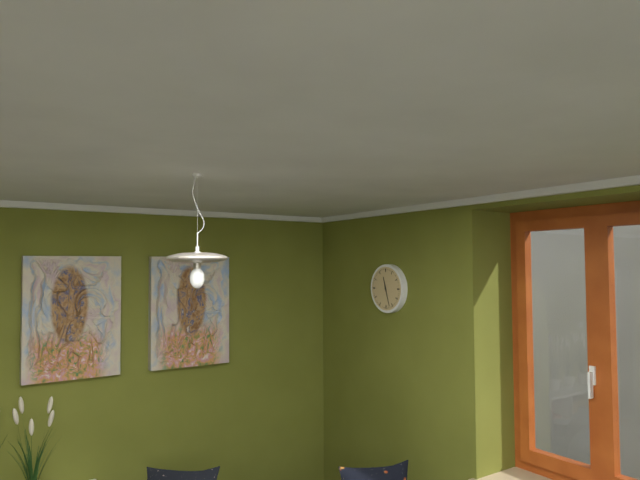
11:27
